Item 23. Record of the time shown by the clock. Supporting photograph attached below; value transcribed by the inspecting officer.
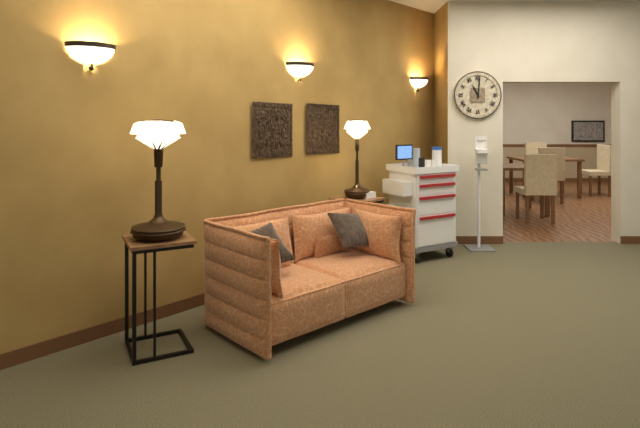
11:01
